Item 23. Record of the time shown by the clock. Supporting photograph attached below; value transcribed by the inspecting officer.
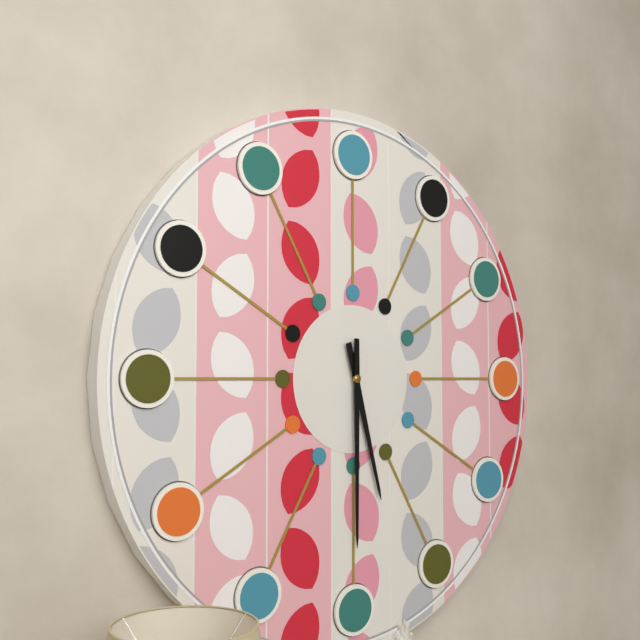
5:30
